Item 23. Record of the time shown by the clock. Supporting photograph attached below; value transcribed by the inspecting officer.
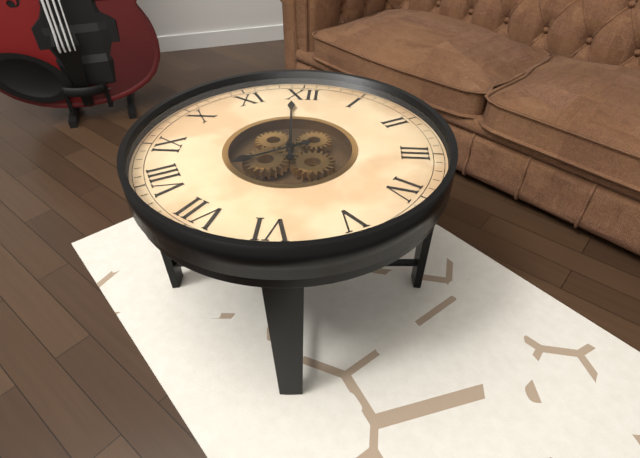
7:59
